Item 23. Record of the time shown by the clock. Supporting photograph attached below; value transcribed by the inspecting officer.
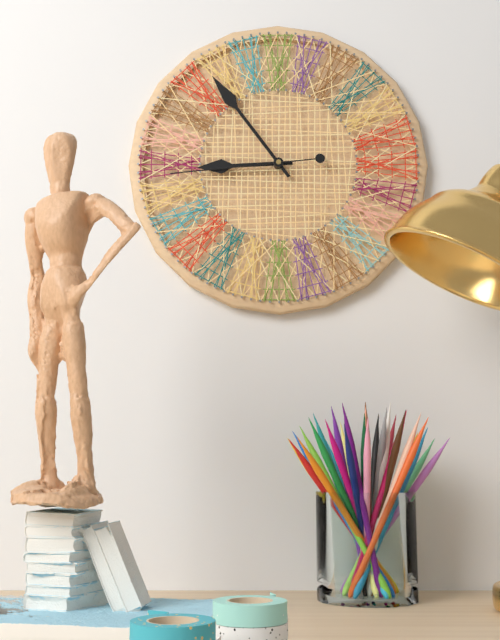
8:54:44
